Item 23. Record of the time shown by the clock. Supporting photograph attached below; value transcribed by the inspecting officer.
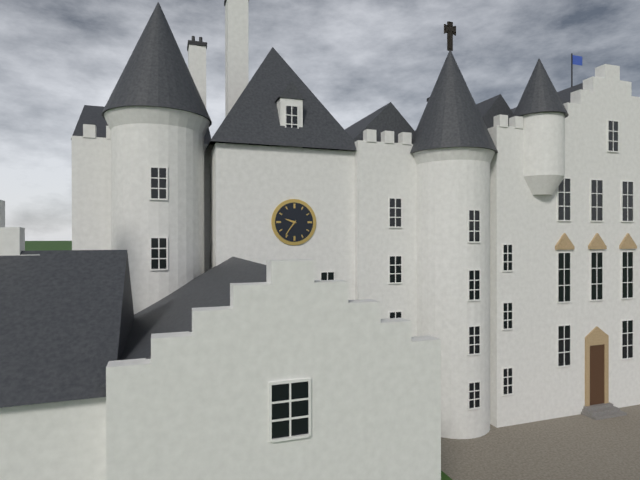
9:36
